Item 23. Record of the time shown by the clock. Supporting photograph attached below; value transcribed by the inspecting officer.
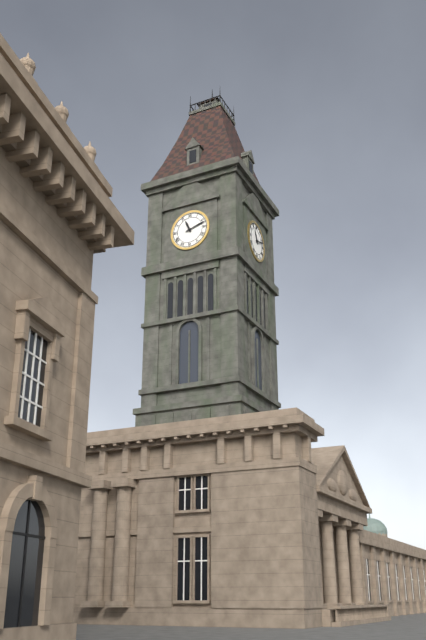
11:12
